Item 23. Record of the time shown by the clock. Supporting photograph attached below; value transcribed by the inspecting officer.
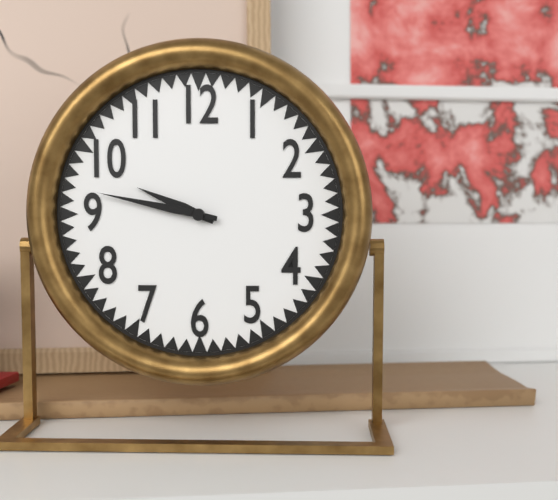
9:47
